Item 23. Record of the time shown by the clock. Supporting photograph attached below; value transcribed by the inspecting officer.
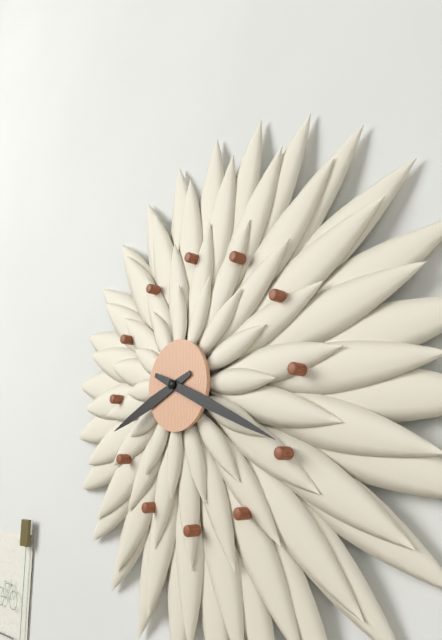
8:19
